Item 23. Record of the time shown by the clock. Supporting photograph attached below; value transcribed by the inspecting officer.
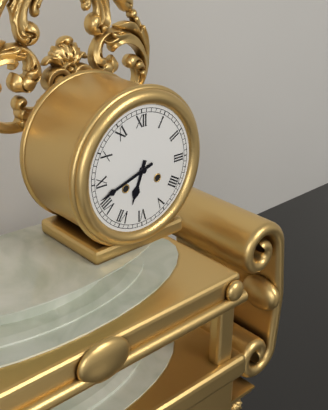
6:42
